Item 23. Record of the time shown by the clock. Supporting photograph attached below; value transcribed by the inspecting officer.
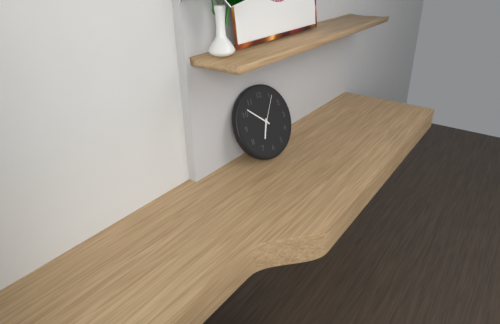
6:52
